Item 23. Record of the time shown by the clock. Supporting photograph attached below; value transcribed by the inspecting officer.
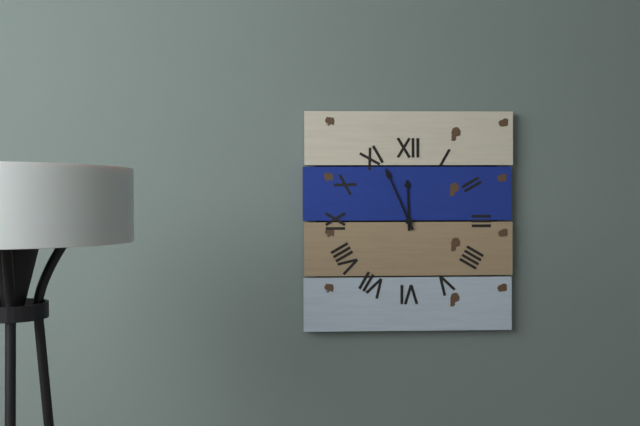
11:56
